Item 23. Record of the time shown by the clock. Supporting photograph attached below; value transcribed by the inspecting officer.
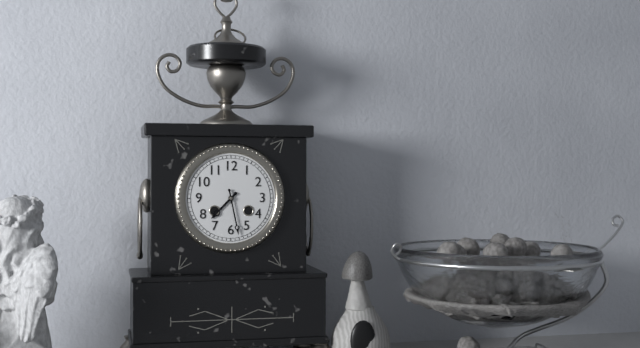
7:28
